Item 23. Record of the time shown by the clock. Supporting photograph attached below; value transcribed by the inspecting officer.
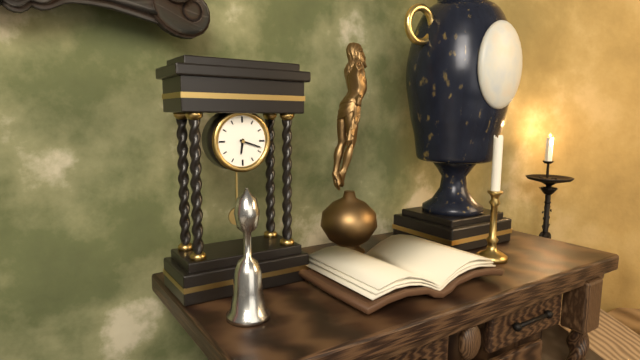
6:18
